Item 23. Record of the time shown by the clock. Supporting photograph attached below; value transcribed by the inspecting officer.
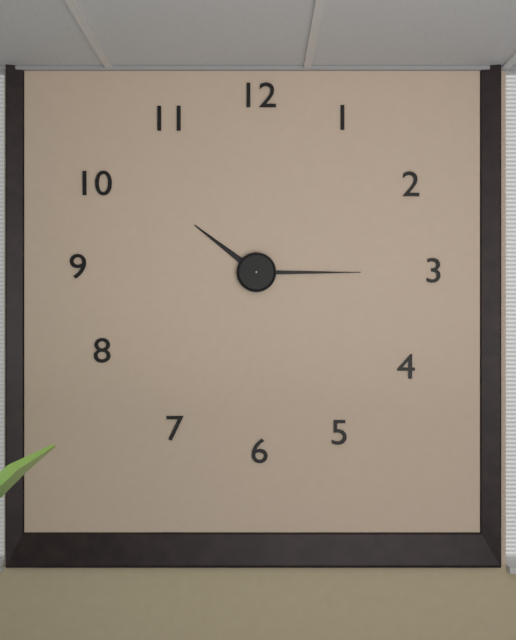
10:15
